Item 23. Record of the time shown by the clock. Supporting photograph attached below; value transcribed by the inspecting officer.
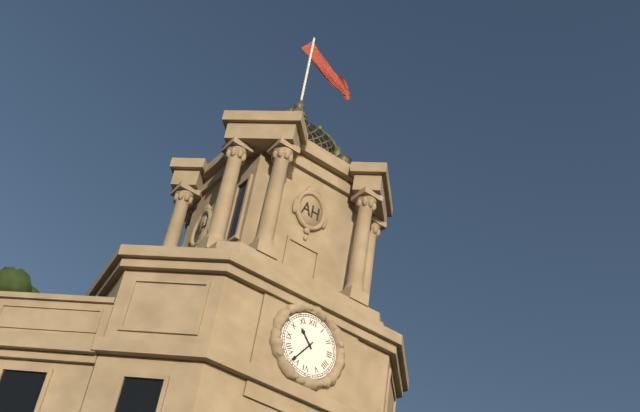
10:36
